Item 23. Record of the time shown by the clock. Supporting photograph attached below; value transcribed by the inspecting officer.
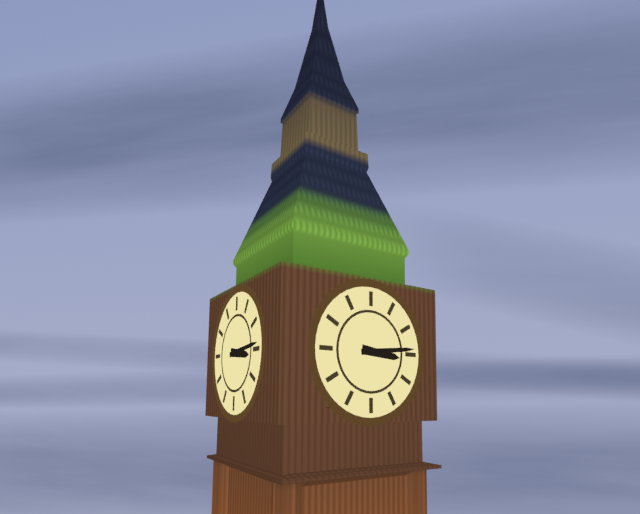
3:14
